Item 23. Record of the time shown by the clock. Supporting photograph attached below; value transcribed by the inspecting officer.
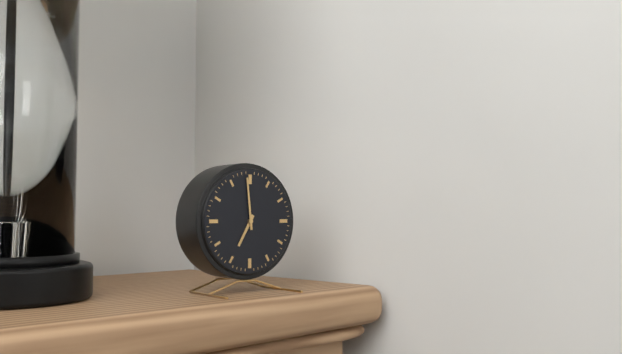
6:59
